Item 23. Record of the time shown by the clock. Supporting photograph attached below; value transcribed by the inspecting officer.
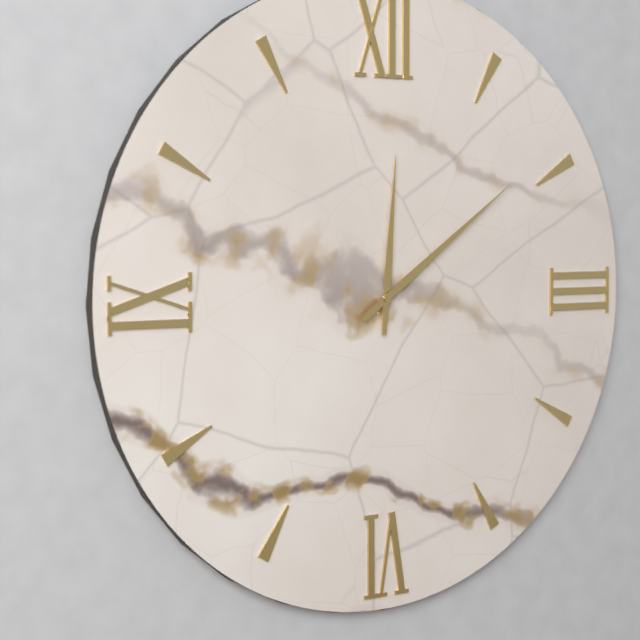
12:09
